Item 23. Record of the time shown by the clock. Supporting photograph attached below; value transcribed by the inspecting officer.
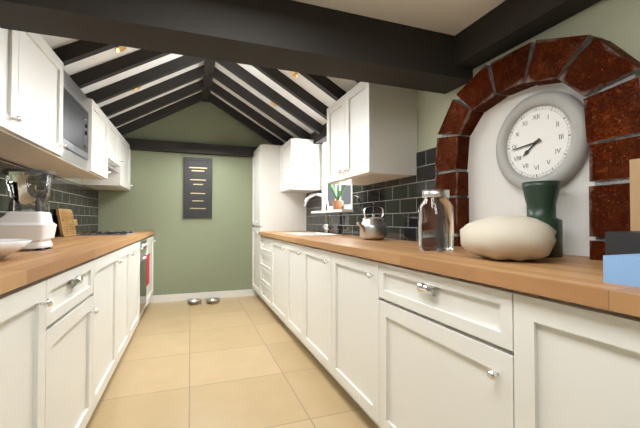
7:44
